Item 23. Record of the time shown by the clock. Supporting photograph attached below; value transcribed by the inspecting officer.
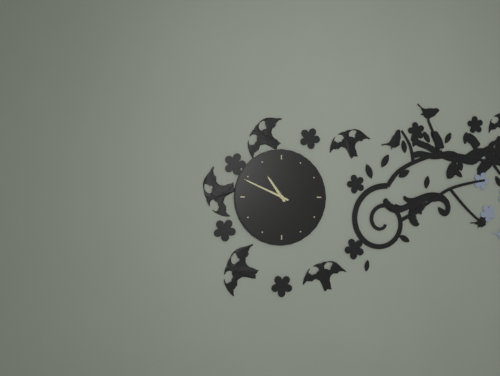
10:49
